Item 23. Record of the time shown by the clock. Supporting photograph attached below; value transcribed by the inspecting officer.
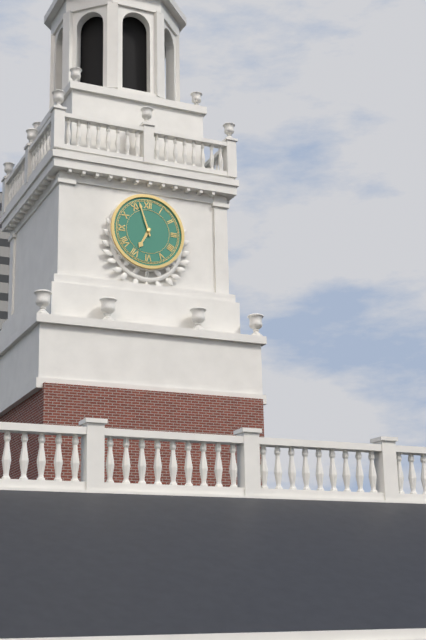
6:57
